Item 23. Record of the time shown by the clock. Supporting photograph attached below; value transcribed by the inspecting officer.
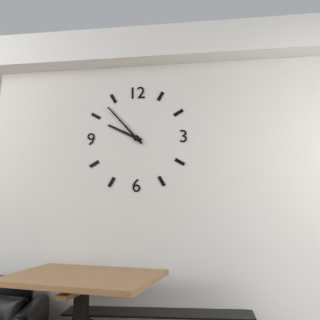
9:53
